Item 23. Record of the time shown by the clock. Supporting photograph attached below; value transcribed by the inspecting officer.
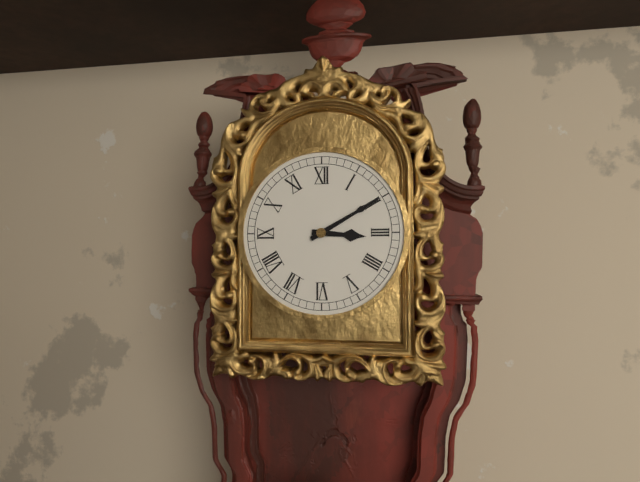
3:10
